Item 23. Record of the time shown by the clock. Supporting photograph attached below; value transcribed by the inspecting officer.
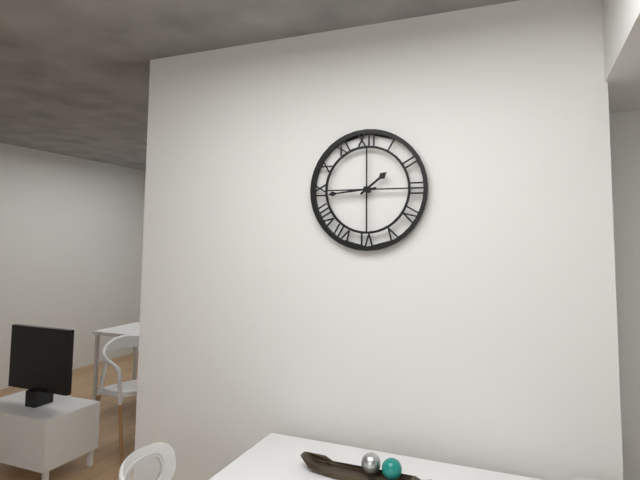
1:44
